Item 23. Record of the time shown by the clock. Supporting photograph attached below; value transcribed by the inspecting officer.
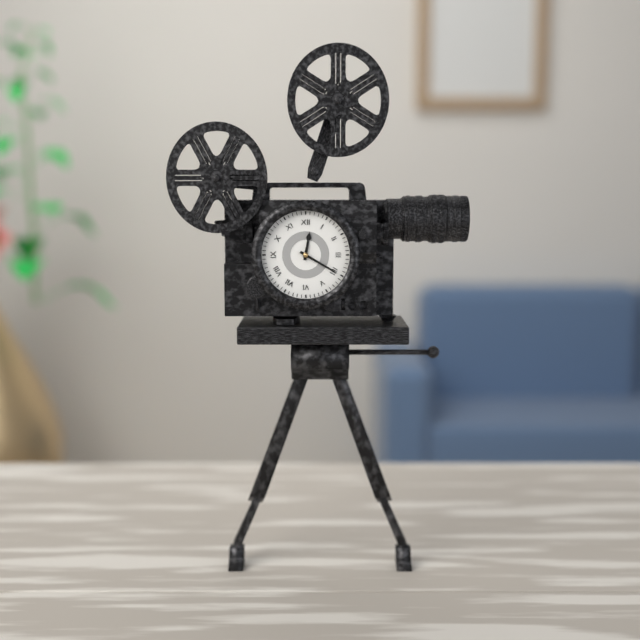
12:20
